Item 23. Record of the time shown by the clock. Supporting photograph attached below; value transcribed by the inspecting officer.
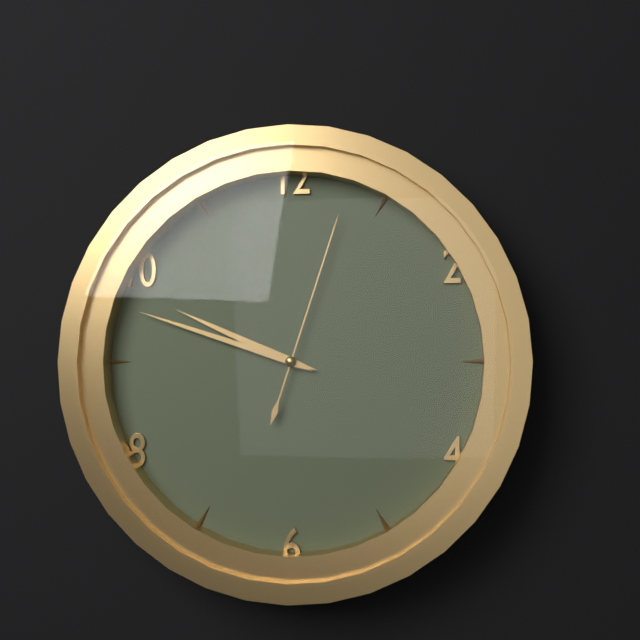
9:48:03
